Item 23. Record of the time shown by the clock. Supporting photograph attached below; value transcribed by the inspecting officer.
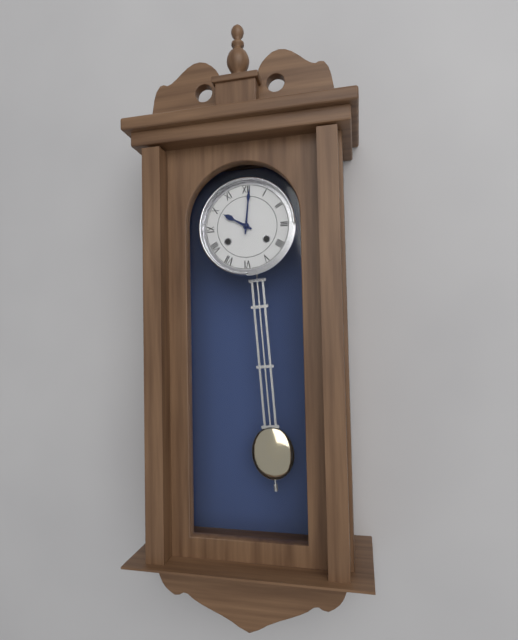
10:01
